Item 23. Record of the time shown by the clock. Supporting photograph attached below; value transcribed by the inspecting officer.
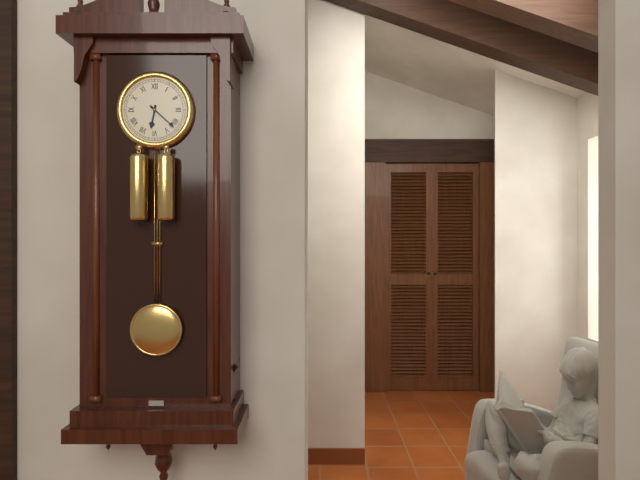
6:22
